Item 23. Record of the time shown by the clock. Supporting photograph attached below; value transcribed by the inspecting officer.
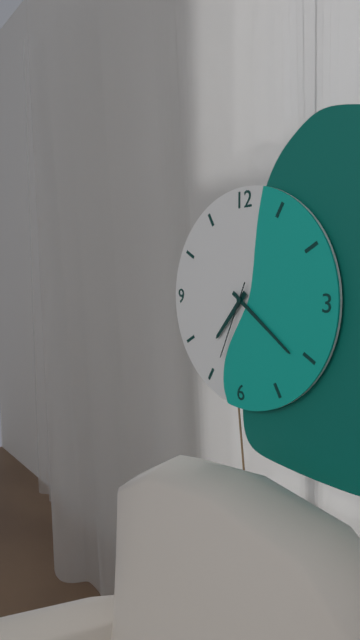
7:21:34
